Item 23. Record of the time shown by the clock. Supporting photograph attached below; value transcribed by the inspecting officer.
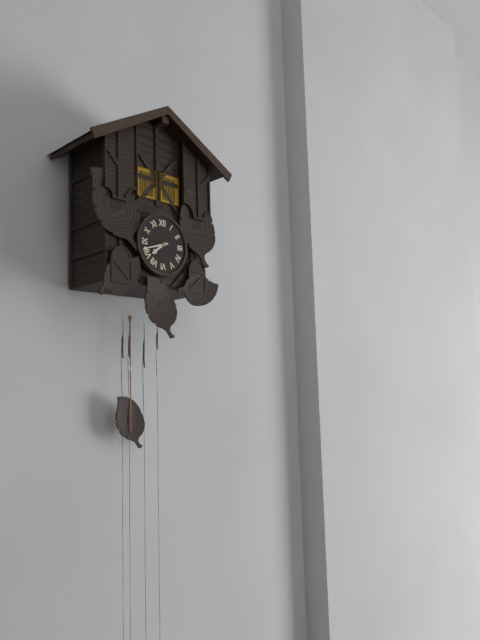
7:42
